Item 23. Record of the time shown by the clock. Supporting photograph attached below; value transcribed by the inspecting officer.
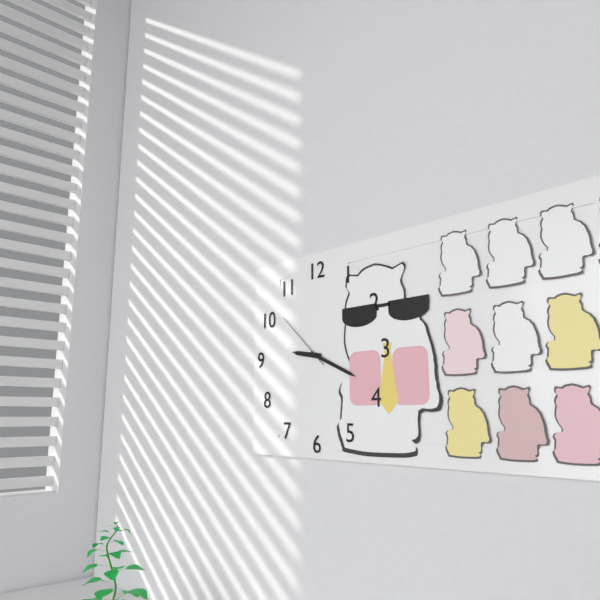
9:19:52
